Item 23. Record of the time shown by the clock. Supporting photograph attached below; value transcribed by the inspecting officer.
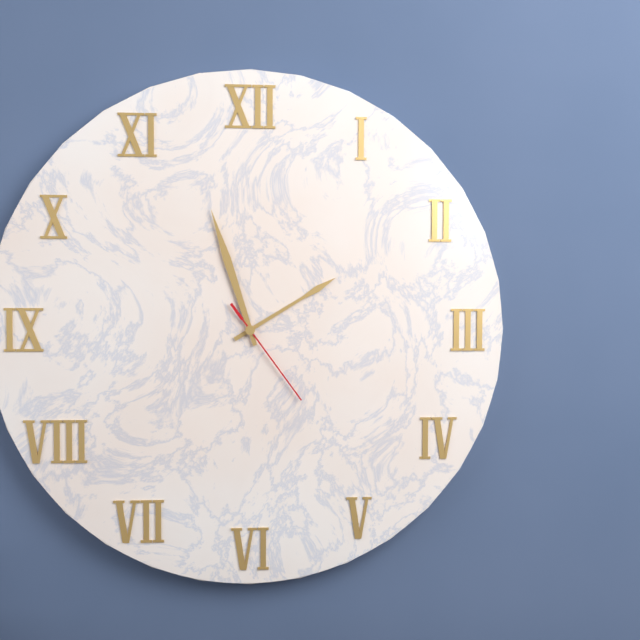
1:57:24
